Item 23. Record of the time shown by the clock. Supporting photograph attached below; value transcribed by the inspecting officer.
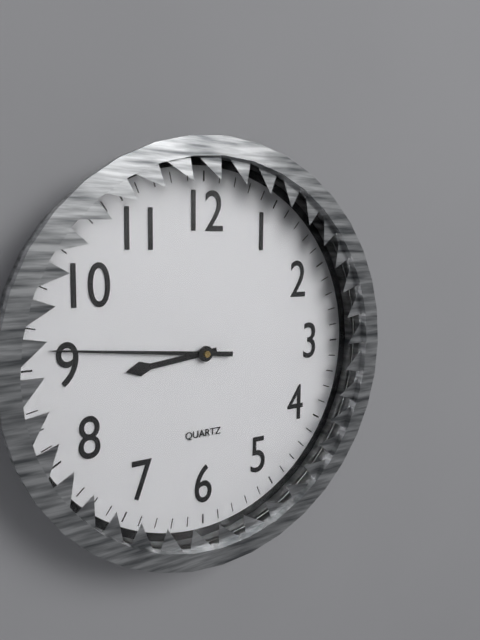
8:46
